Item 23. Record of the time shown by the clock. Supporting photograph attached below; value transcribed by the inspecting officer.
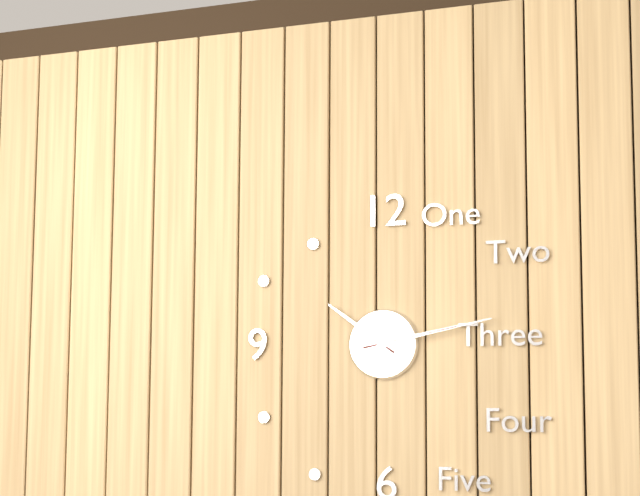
10:13
